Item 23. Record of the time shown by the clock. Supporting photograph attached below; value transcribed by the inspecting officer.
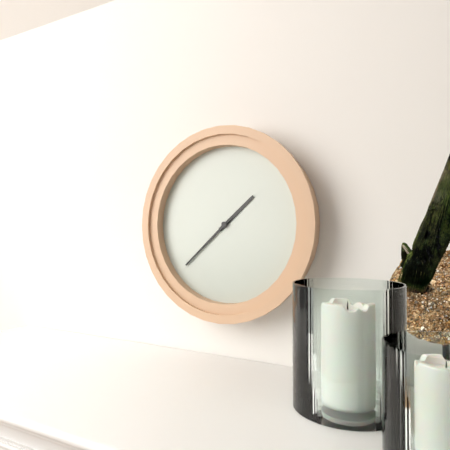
1:38
